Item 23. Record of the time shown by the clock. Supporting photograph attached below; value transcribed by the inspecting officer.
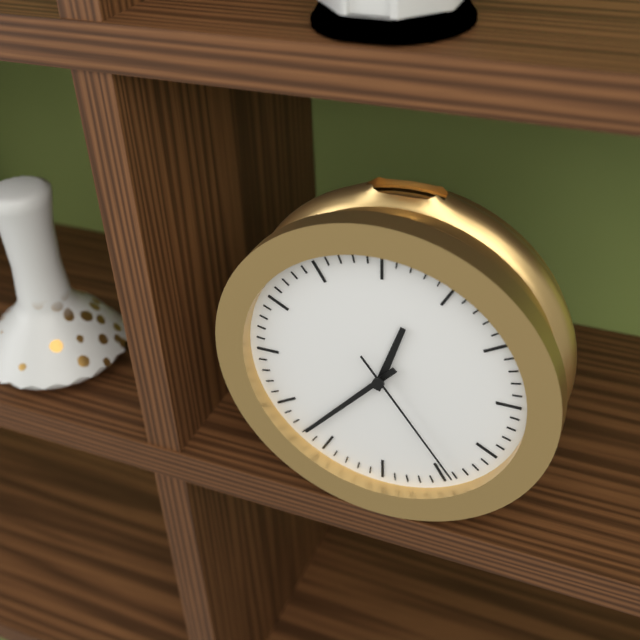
12:37:24
